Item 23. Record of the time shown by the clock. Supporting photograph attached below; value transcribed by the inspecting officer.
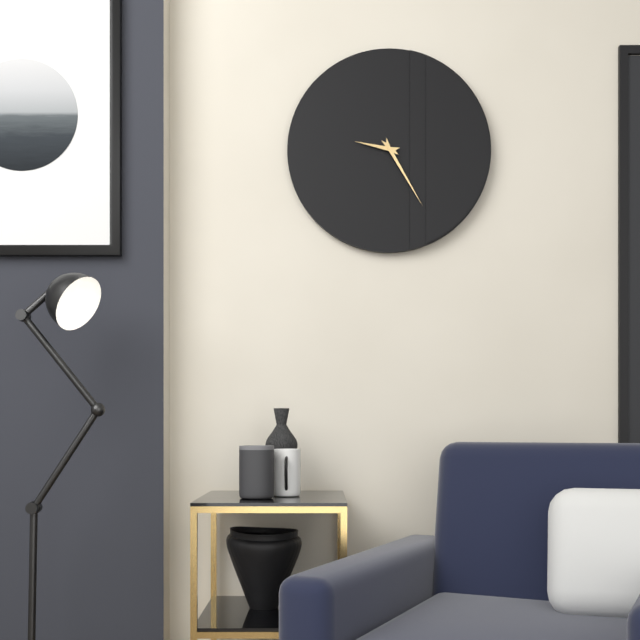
9:25
